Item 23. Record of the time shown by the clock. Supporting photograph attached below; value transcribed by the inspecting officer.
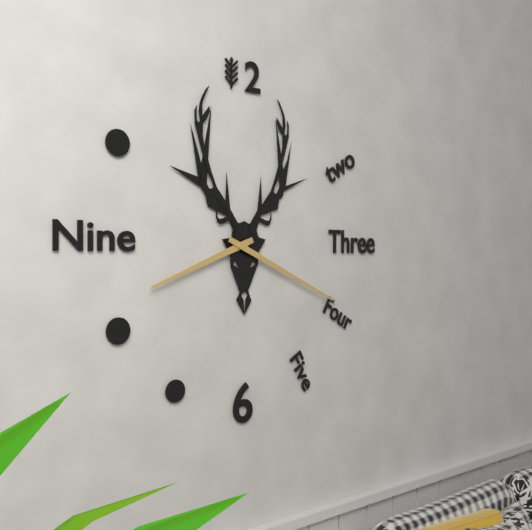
8:19
